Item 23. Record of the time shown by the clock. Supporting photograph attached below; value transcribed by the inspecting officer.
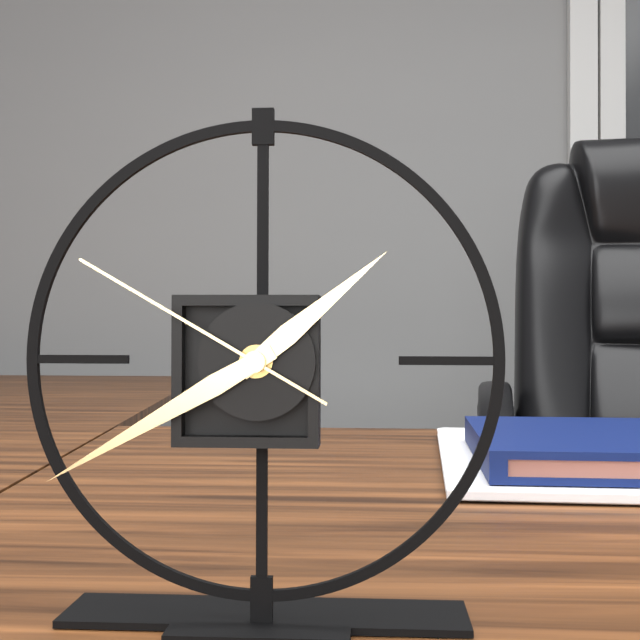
1:40:50
